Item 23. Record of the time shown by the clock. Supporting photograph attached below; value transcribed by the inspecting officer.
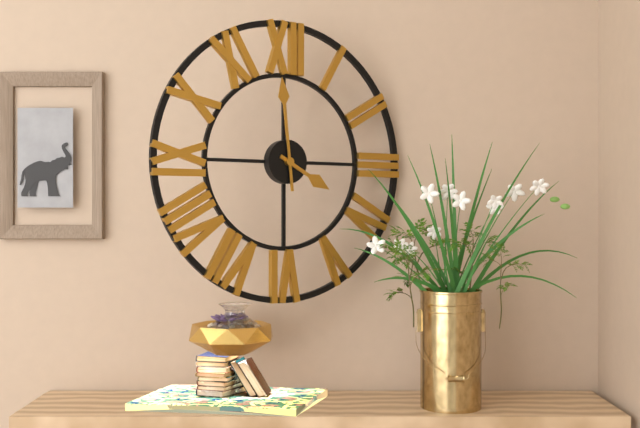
3:59
